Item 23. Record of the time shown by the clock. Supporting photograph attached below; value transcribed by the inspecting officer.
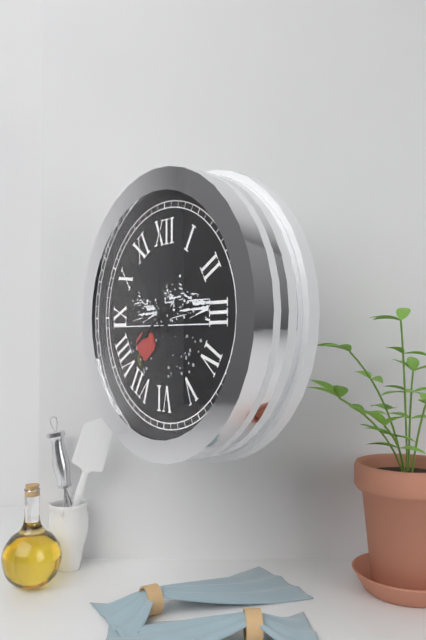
7:53:00
